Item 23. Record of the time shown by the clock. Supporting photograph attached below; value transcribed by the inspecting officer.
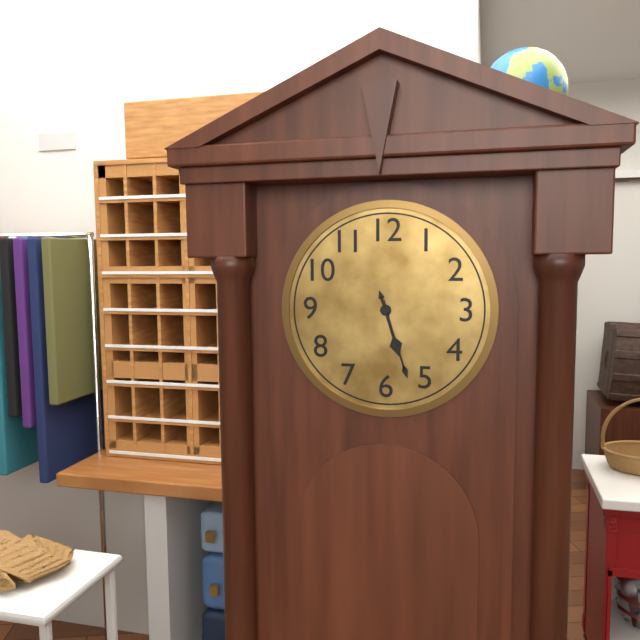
5:27
